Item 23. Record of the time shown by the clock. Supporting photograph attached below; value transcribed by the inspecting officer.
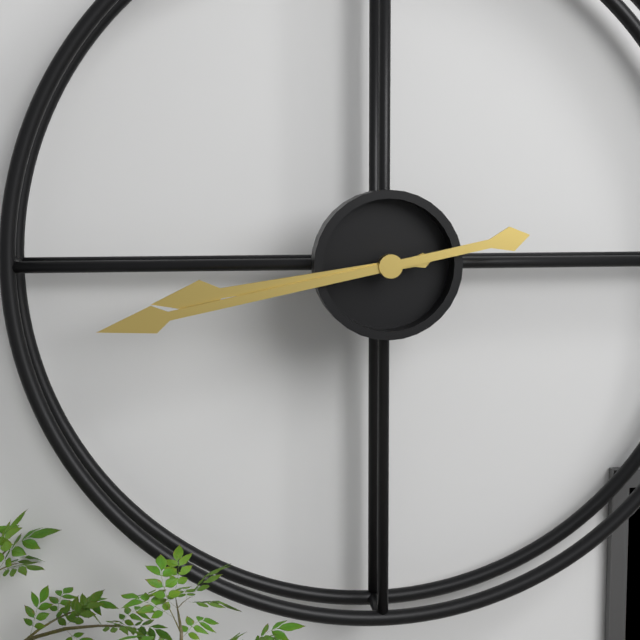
8:43
